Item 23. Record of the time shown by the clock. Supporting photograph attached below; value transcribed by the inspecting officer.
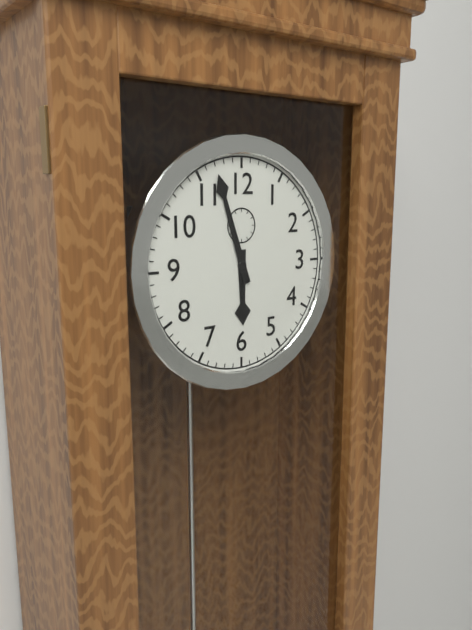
5:57
